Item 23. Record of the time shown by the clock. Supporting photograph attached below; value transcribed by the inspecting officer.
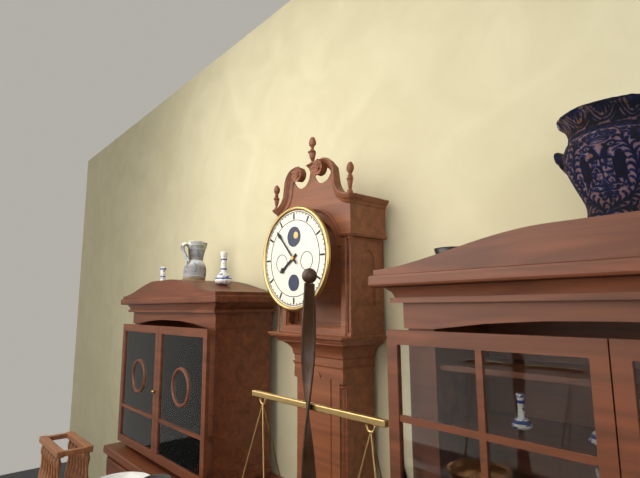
7:53
